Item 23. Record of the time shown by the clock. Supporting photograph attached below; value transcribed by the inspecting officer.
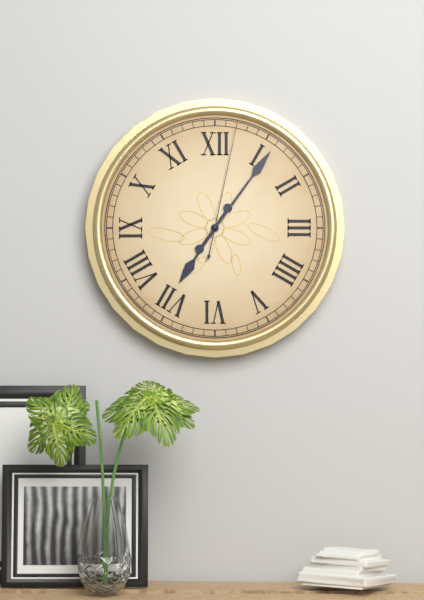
7:06:02
